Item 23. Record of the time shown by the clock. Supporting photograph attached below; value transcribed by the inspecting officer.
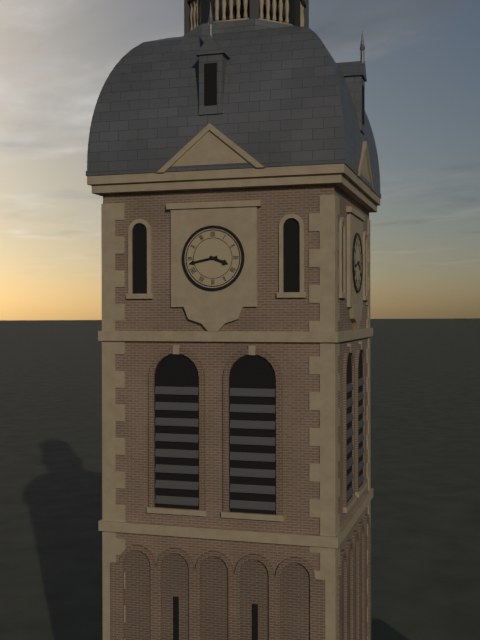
3:43
